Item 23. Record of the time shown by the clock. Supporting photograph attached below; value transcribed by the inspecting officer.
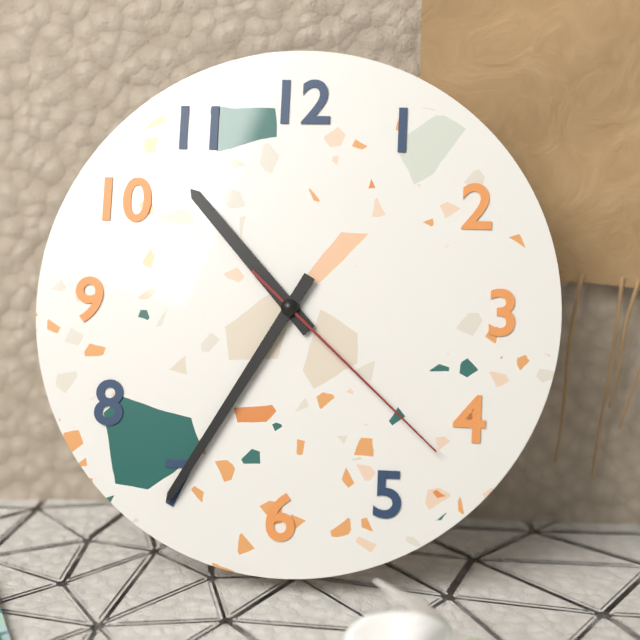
10:35:22
